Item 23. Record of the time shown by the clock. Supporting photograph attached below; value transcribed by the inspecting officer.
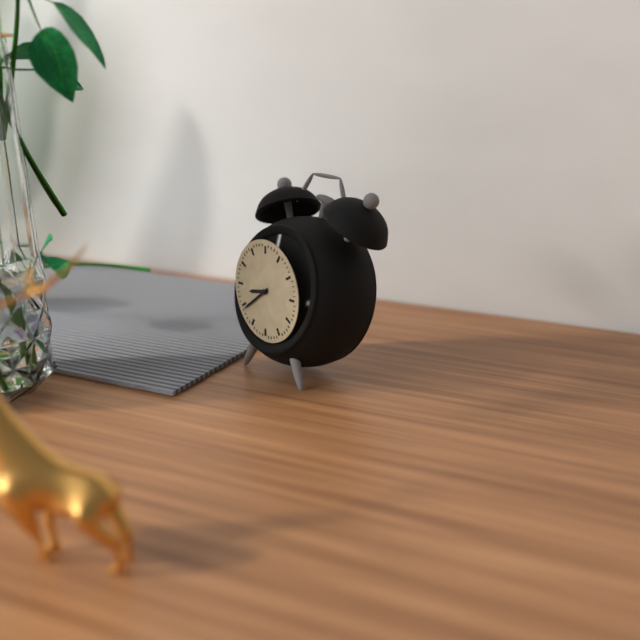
8:39
